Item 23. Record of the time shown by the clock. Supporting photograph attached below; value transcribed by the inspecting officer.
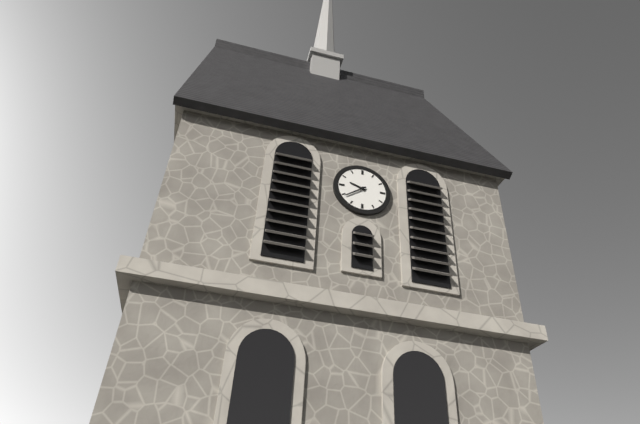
9:39
